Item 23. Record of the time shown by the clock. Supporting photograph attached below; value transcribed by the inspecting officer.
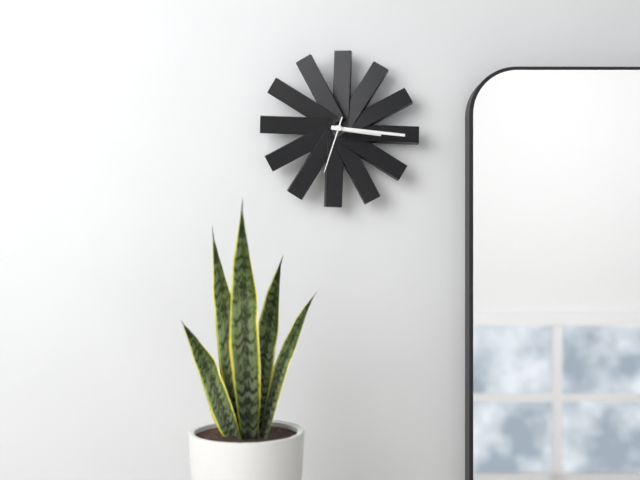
3:16:33
